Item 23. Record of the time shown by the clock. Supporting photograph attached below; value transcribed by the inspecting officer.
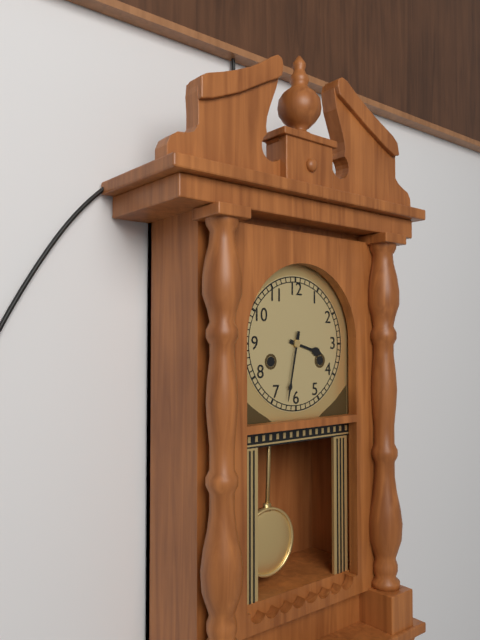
3:32
